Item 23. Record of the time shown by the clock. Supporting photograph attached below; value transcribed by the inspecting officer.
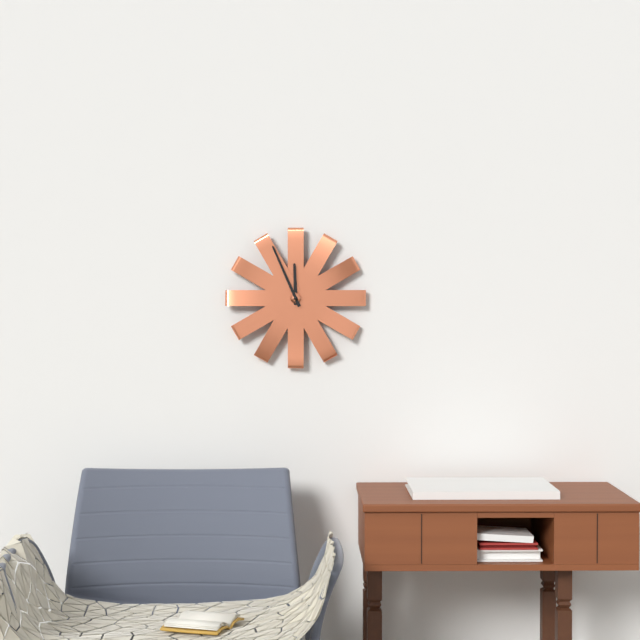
11:56
